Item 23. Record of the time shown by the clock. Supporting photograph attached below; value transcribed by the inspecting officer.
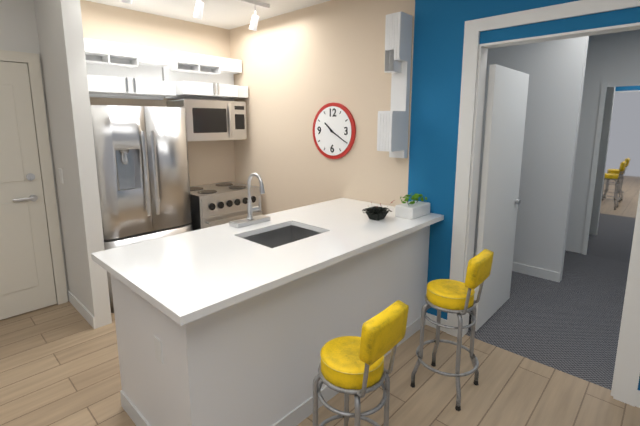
10:20
